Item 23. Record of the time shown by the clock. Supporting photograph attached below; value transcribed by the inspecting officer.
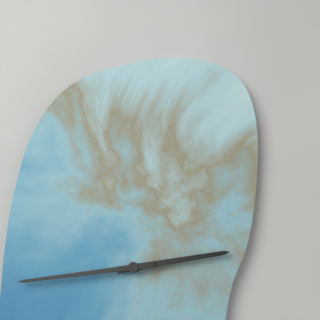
2:44
